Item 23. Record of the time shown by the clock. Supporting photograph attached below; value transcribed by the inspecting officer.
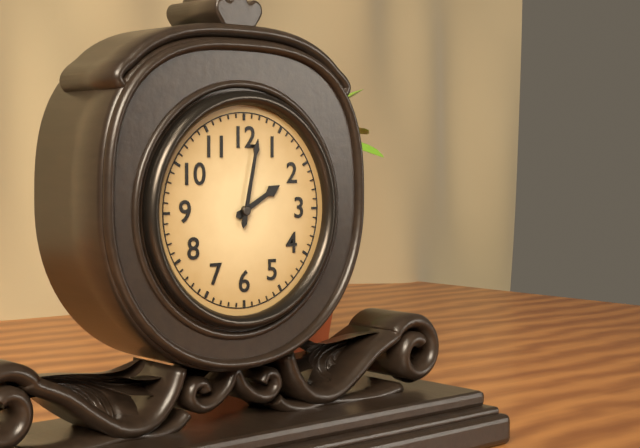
2:02
